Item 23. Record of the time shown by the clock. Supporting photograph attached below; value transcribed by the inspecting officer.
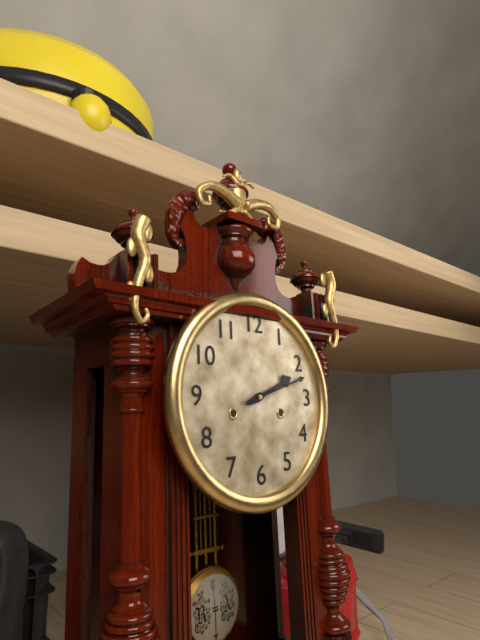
2:12
